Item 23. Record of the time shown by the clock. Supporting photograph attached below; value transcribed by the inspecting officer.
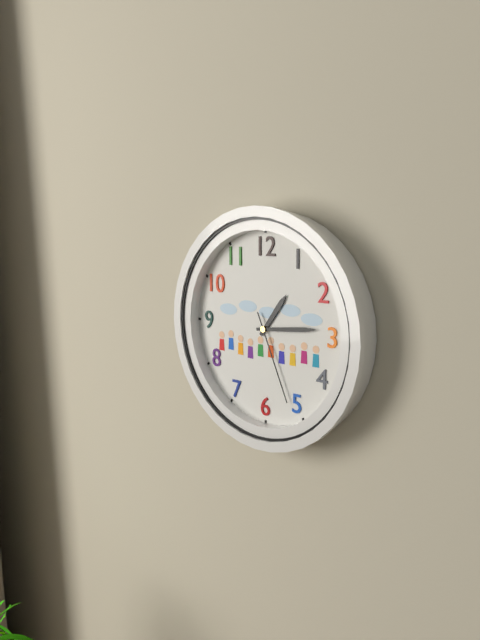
1:14:26
